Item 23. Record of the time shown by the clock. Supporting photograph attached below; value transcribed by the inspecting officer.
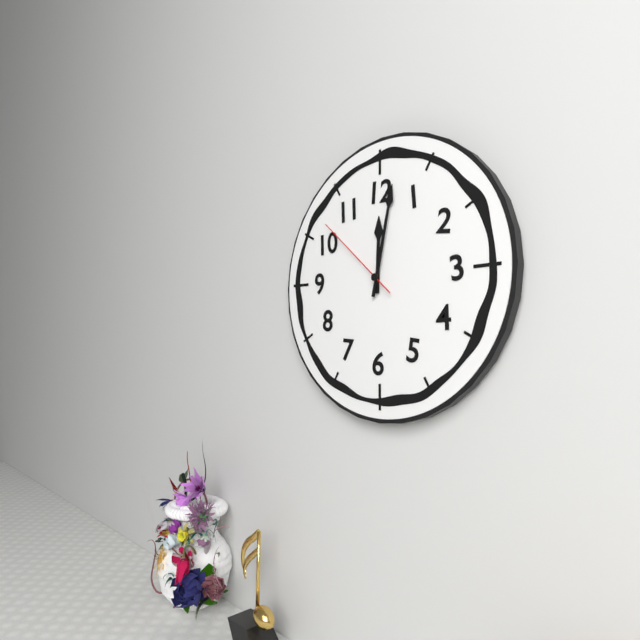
12:02:52
